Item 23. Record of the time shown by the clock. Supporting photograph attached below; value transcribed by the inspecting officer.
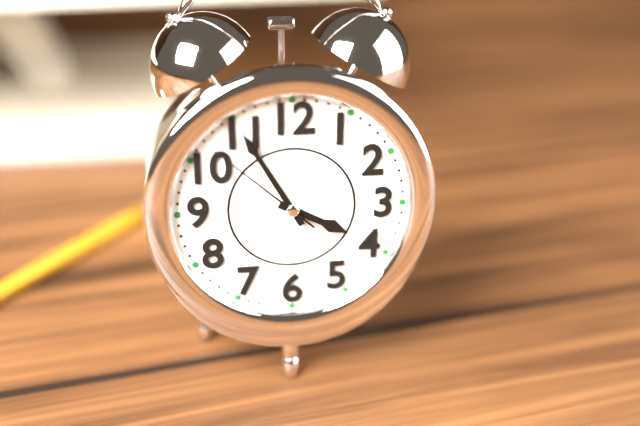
3:55:52
